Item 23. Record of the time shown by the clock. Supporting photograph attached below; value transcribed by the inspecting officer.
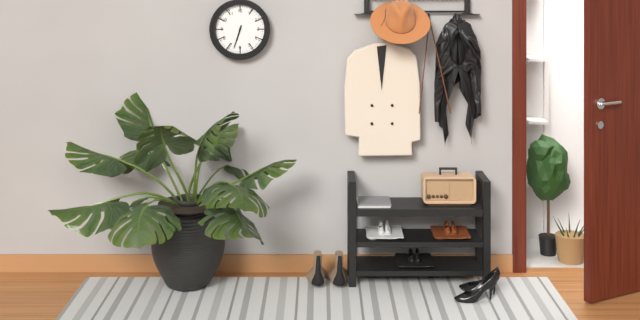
6:33
